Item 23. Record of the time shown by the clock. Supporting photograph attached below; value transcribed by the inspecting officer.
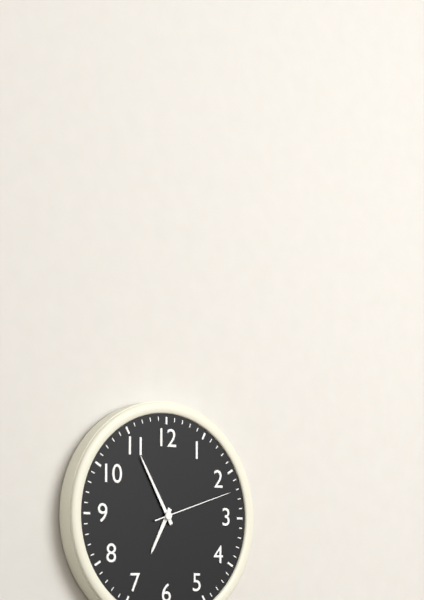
6:55:12
